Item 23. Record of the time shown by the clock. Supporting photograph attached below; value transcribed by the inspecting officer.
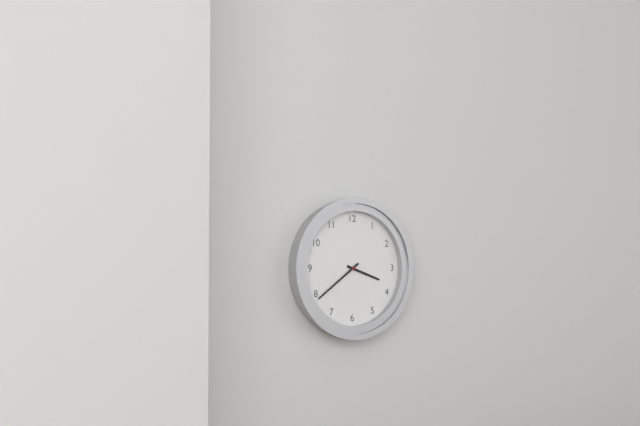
3:39
